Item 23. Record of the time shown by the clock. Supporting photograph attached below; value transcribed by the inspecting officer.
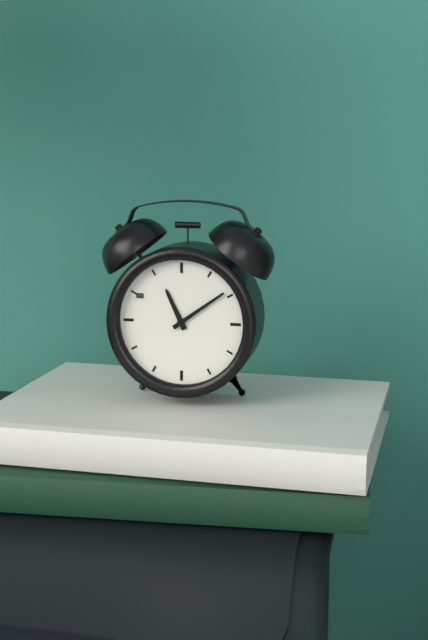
11:09
